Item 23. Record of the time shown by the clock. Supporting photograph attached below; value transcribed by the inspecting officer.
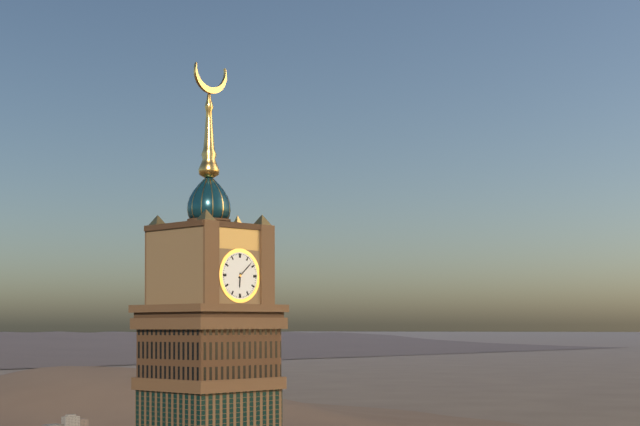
6:08
